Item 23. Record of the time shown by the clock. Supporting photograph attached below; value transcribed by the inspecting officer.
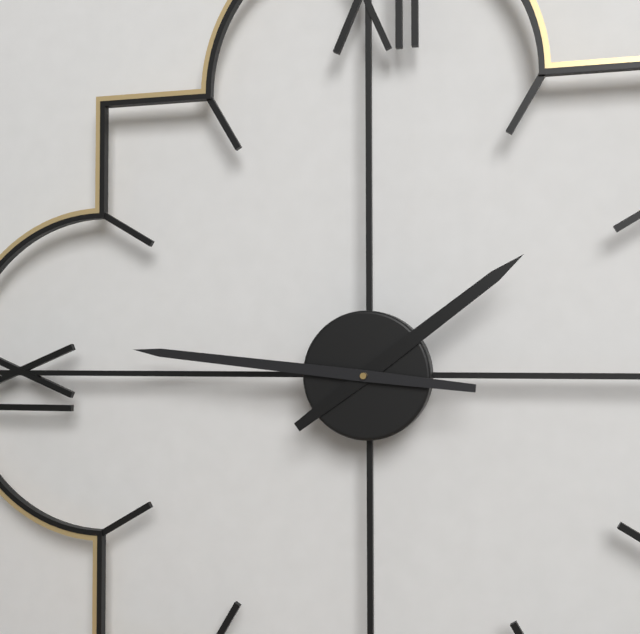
1:46
